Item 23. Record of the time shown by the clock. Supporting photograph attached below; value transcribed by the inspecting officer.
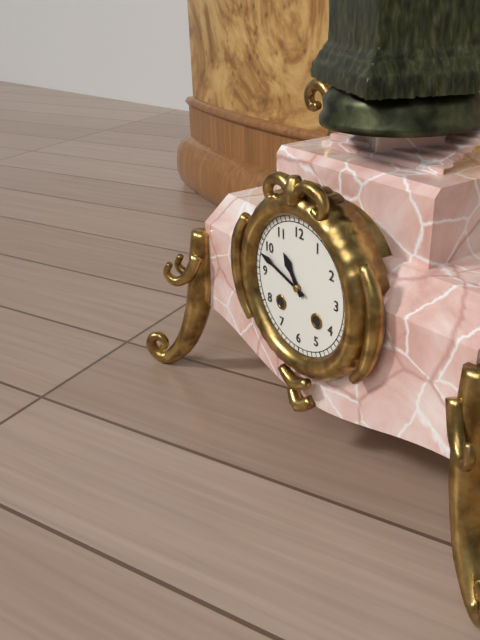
10:48
